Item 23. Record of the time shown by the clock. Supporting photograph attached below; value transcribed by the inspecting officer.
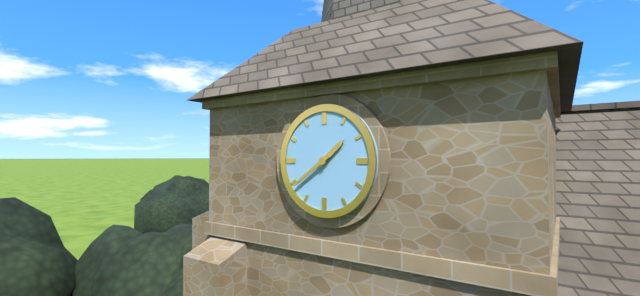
1:39
